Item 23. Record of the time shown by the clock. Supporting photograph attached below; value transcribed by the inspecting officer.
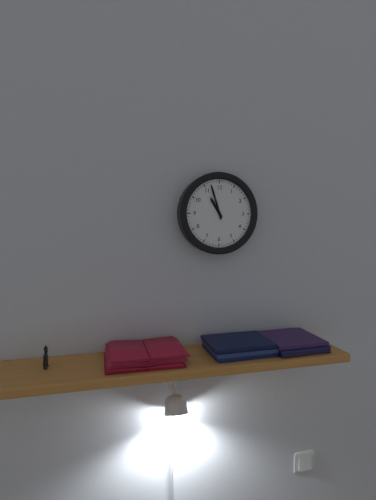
10:57
